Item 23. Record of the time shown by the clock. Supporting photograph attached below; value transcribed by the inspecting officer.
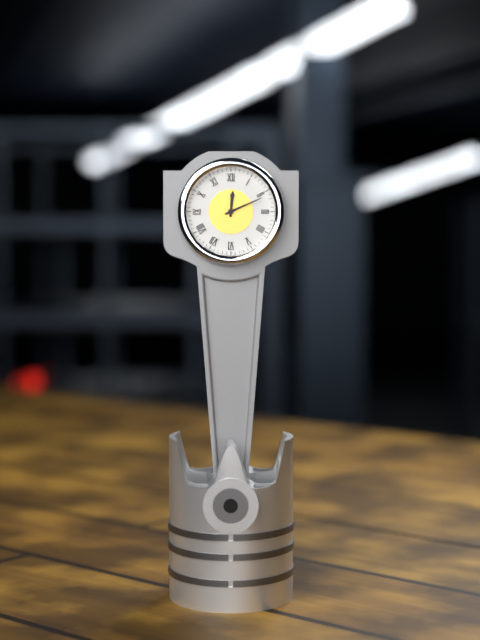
12:11
